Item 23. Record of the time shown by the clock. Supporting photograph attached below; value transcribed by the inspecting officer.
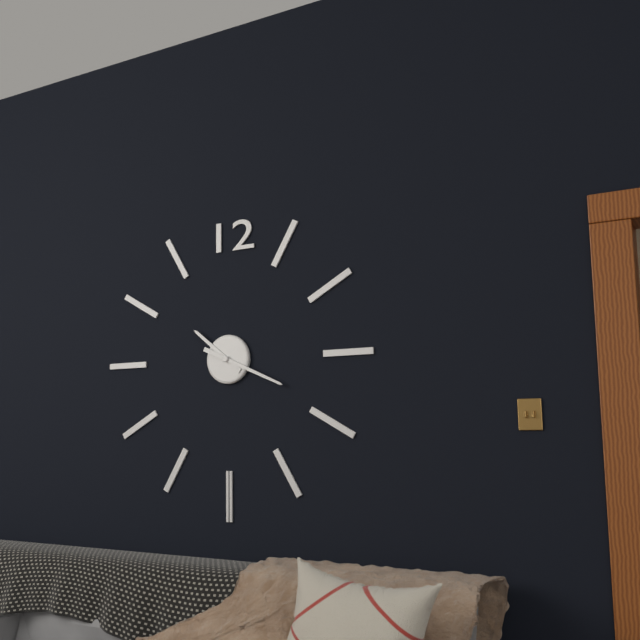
10:19
